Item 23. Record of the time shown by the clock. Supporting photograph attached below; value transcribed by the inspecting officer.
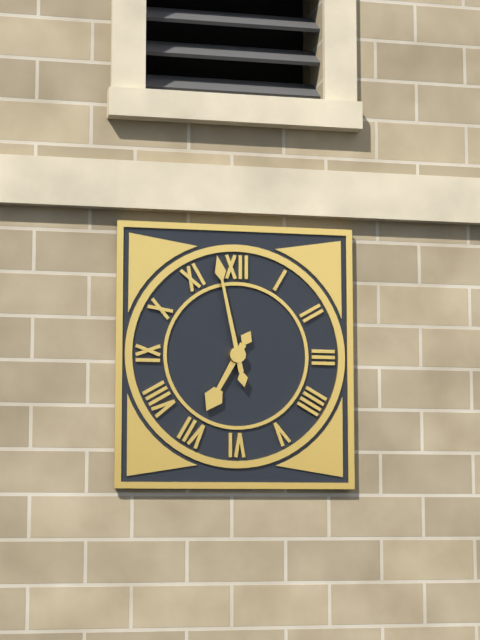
6:58
